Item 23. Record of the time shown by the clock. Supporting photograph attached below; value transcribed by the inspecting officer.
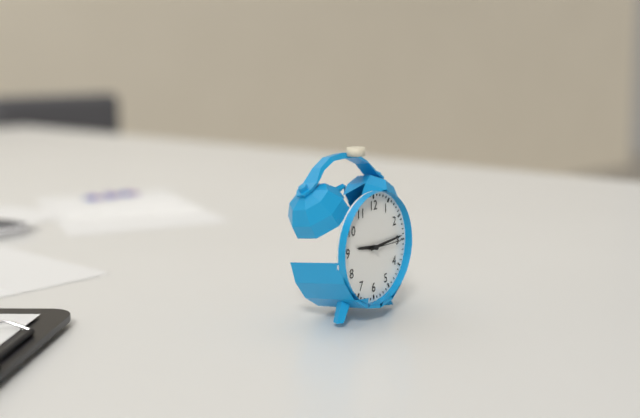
9:14
